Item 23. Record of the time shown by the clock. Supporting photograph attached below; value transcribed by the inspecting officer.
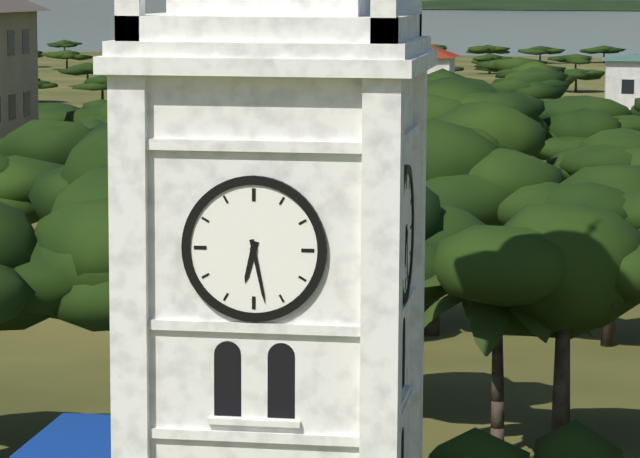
6:28
